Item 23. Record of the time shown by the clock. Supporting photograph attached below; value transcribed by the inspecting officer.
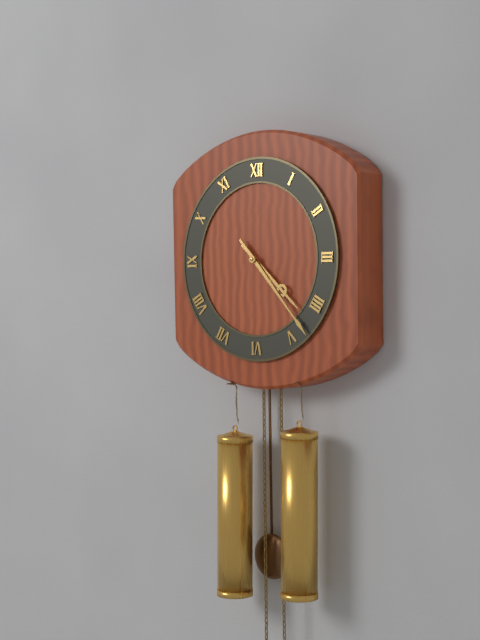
4:23
